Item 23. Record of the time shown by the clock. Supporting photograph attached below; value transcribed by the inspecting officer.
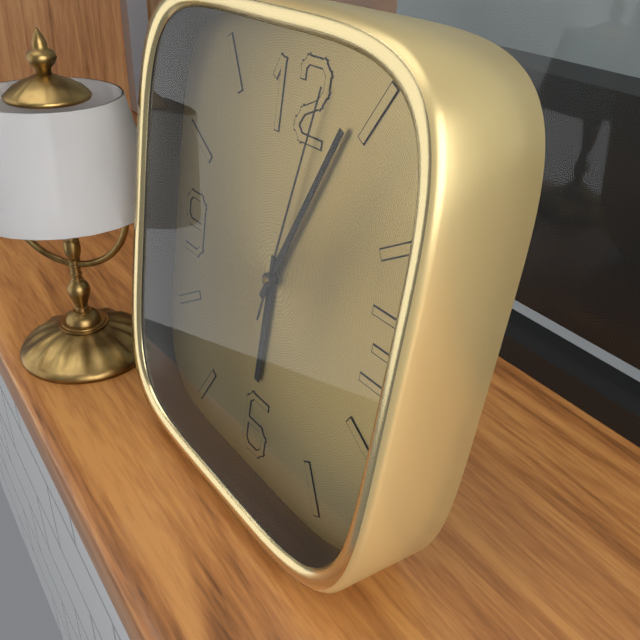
6:04:02
